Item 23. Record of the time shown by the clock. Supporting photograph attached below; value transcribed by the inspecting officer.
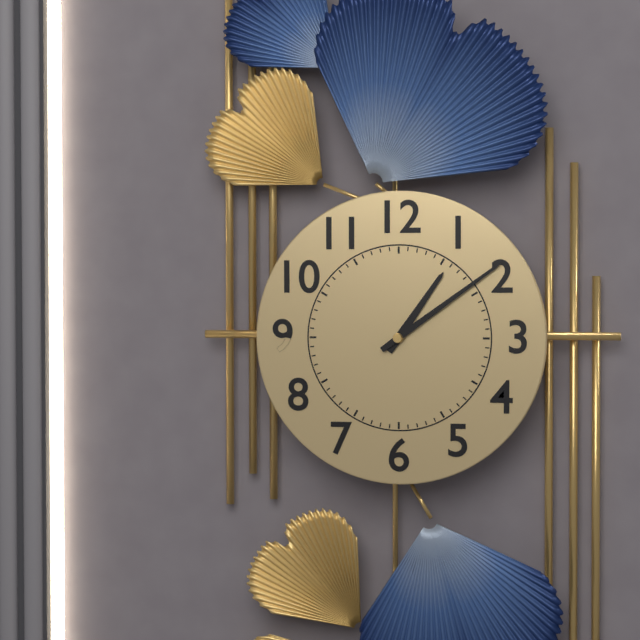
1:09
